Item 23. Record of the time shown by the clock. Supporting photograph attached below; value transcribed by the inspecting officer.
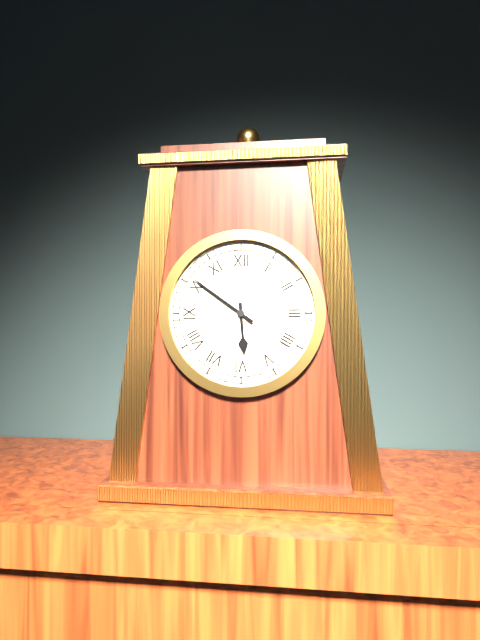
5:51
